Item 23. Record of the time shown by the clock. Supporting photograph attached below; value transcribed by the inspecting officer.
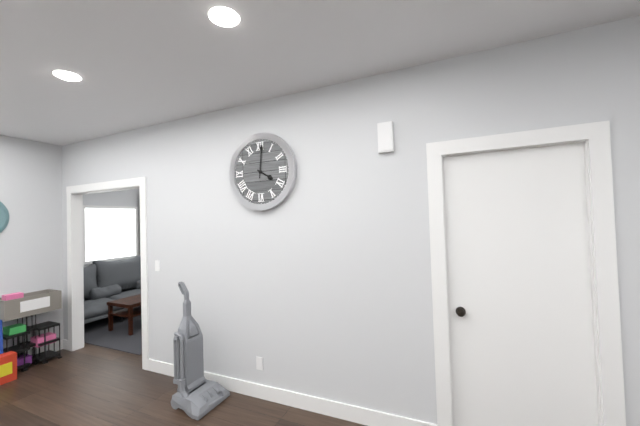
4:01
